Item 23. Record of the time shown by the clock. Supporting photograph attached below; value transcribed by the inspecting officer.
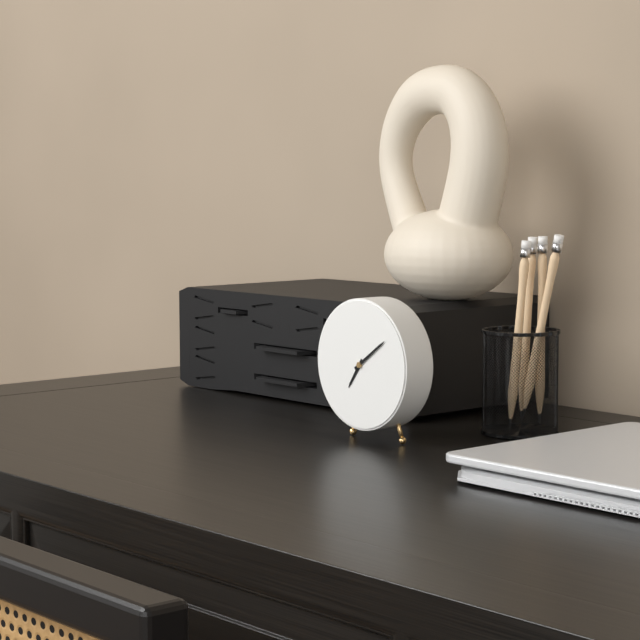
7:09
